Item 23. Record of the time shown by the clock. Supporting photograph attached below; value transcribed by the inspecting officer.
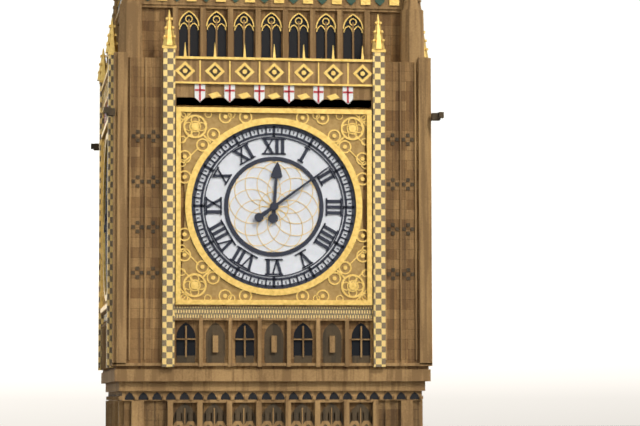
12:09
